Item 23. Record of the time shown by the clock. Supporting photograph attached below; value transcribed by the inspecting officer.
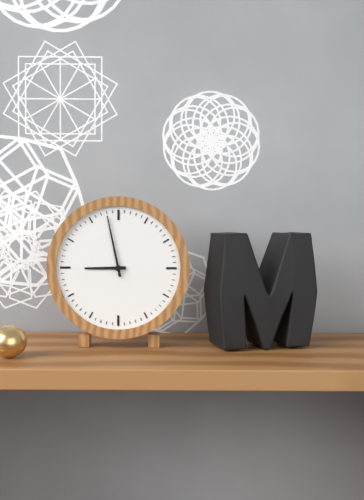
8:58
